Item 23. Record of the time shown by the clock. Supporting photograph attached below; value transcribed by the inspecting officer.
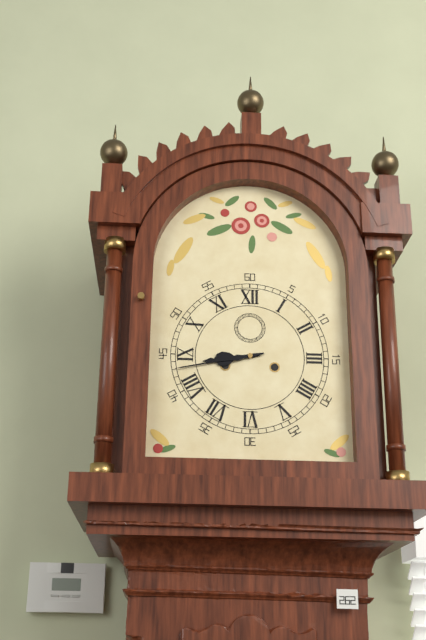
8:43
